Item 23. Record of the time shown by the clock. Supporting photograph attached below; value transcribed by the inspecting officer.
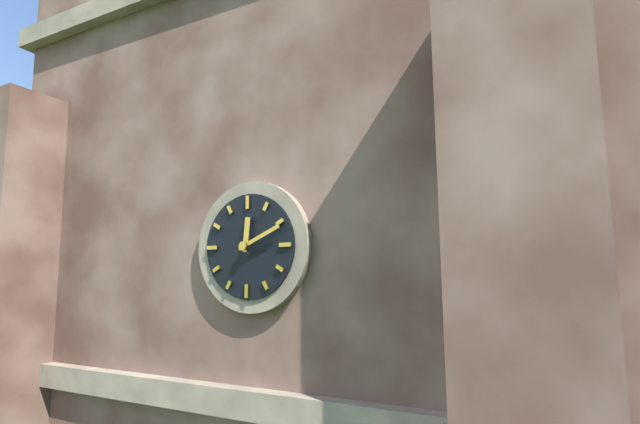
12:11
